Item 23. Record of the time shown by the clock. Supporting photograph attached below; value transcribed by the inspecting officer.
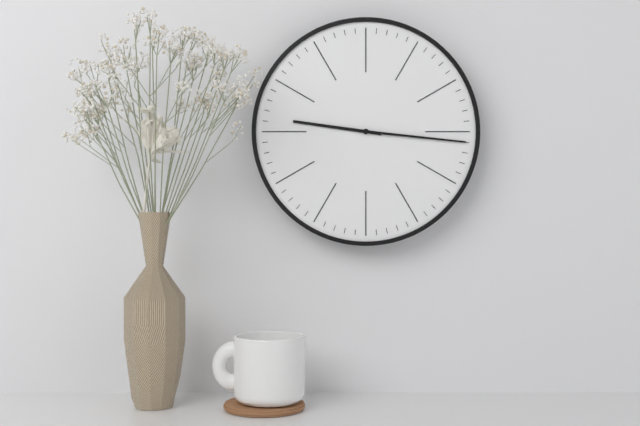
9:16
